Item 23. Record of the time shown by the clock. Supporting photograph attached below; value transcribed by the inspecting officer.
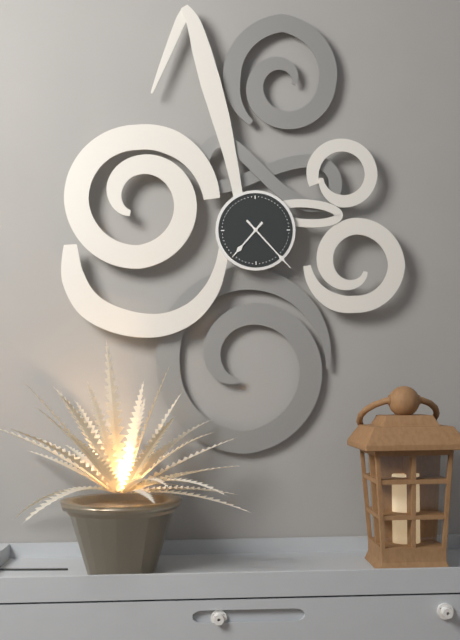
7:23
